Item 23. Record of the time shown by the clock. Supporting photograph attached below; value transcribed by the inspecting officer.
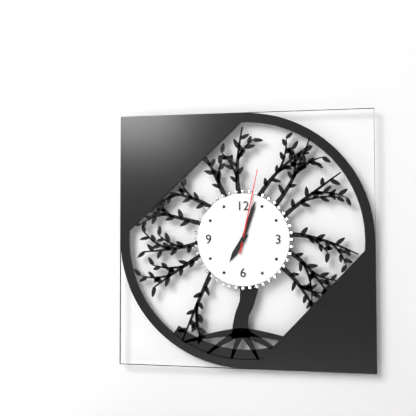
7:03:02
